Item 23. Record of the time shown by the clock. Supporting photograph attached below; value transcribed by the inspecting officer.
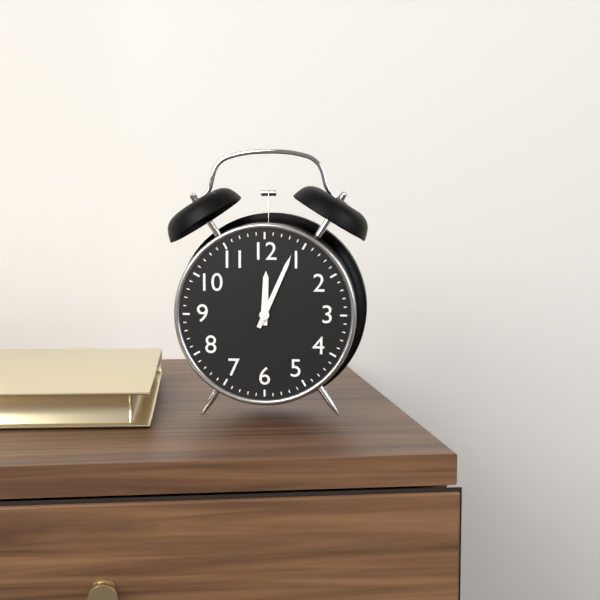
12:04
